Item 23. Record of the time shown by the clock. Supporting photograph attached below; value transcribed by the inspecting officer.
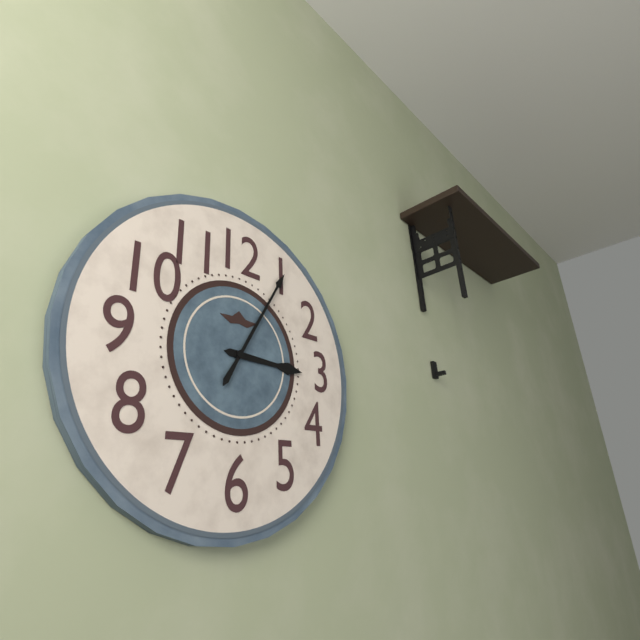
3:05
